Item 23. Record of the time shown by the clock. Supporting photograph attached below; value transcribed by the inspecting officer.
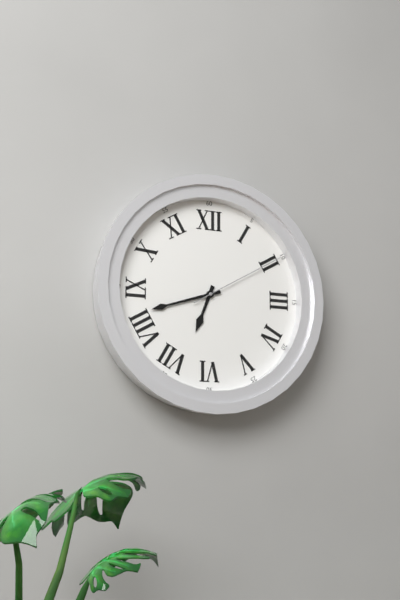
6:42:10
